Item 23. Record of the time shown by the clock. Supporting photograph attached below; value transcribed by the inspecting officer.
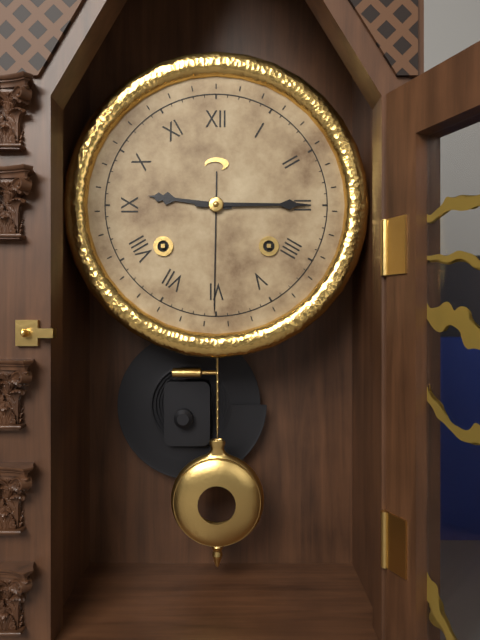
9:15
